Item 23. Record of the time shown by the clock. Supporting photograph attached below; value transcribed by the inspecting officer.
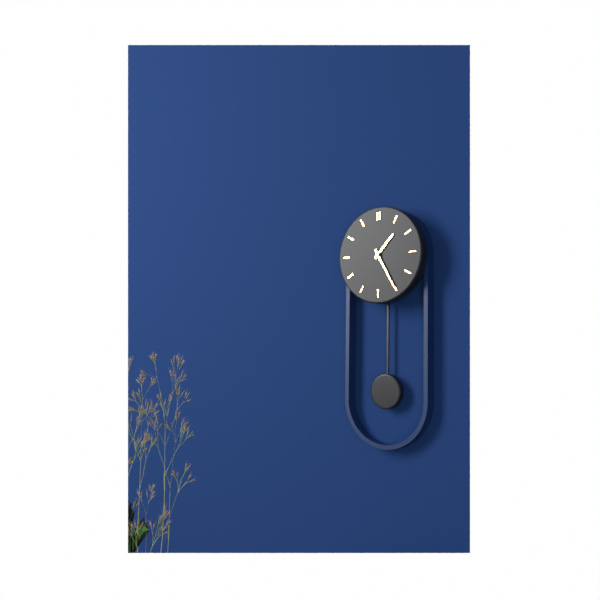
1:25
